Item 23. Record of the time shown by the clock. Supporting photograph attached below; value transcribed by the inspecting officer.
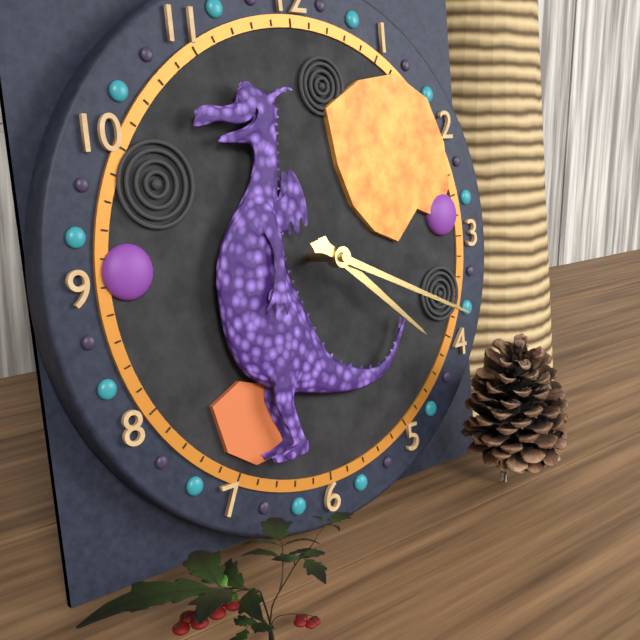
4:19
